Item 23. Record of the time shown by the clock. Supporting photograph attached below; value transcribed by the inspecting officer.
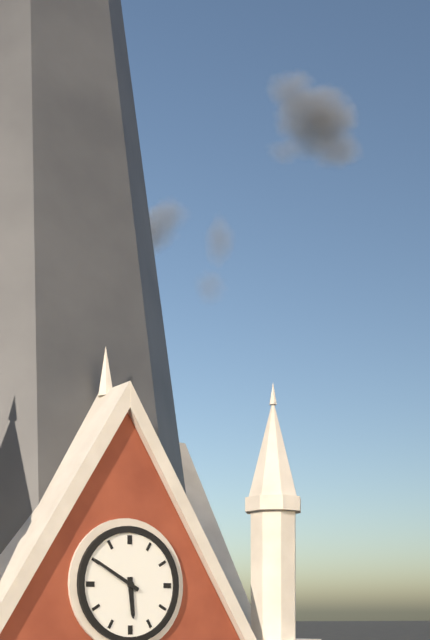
5:50
